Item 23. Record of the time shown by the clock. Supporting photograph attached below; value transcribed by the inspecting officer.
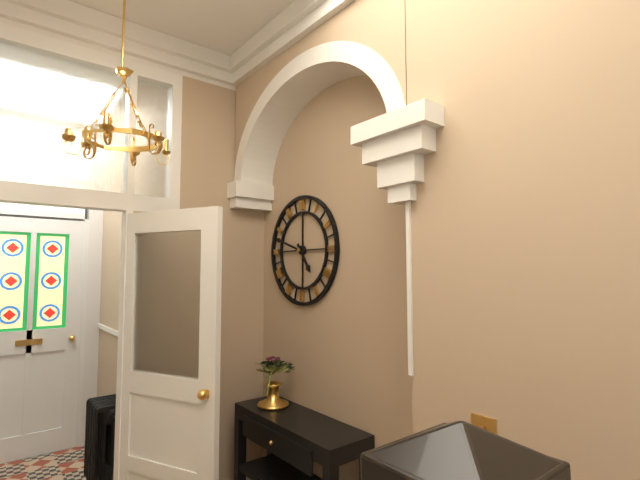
4:48
